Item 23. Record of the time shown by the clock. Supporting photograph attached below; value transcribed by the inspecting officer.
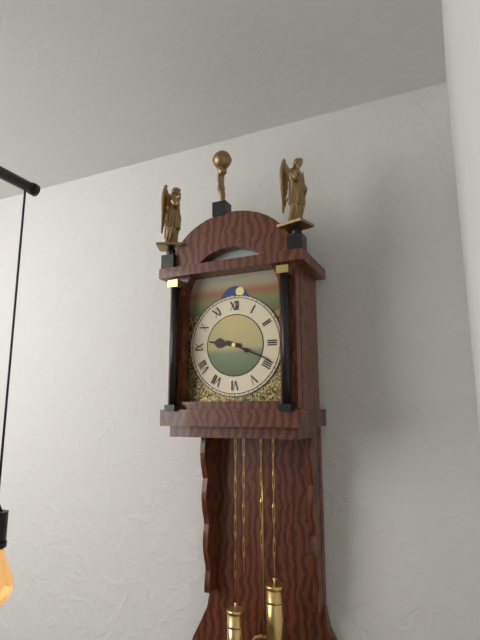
9:19
